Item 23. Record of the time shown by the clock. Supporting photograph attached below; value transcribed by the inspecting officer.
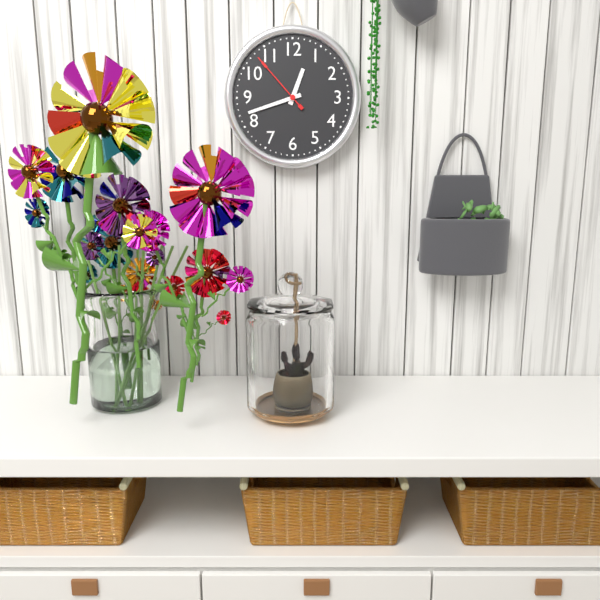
12:42:53
